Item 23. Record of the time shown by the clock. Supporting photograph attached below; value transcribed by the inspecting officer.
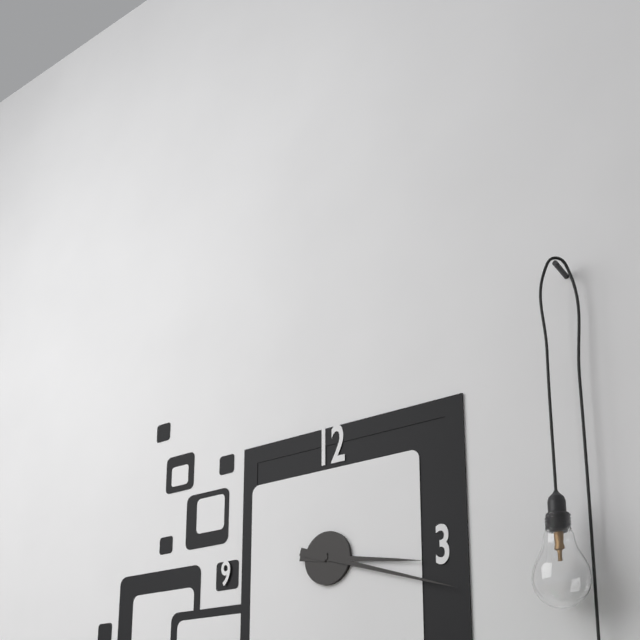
3:18
